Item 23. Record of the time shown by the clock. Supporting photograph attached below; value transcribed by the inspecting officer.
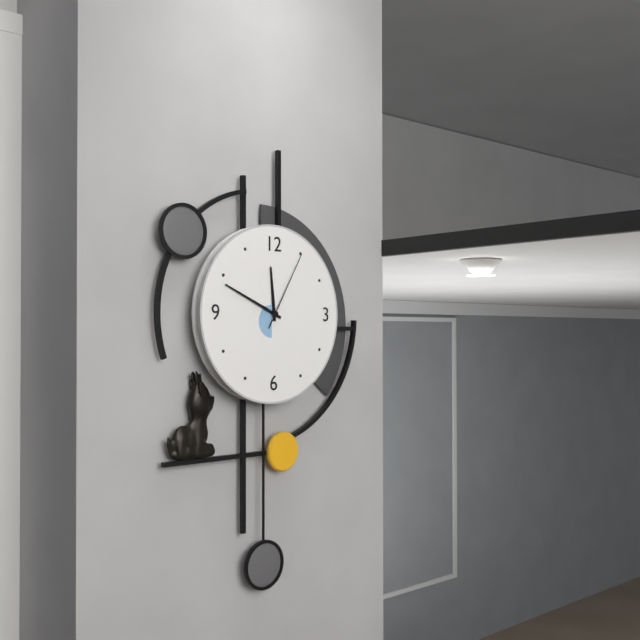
11:49:05
